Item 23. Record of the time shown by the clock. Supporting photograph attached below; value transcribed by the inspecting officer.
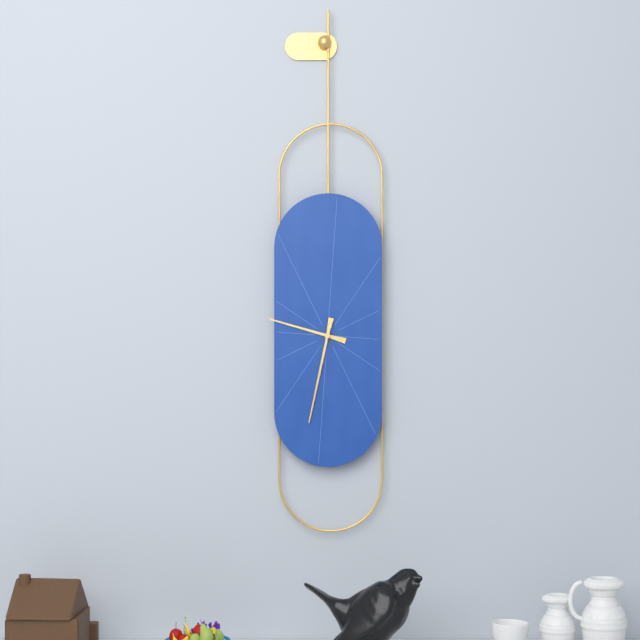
9:32
